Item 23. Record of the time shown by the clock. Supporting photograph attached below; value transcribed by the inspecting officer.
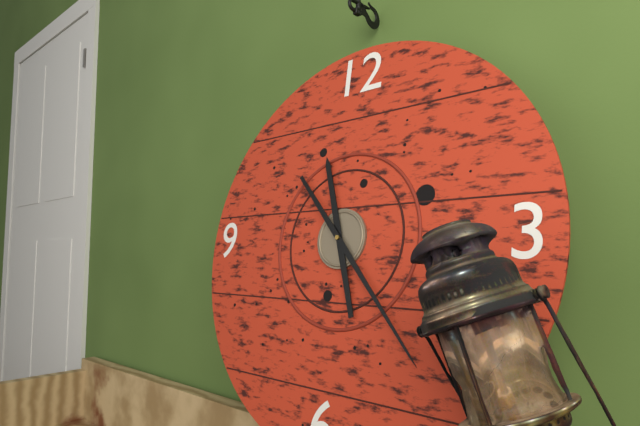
11:23
